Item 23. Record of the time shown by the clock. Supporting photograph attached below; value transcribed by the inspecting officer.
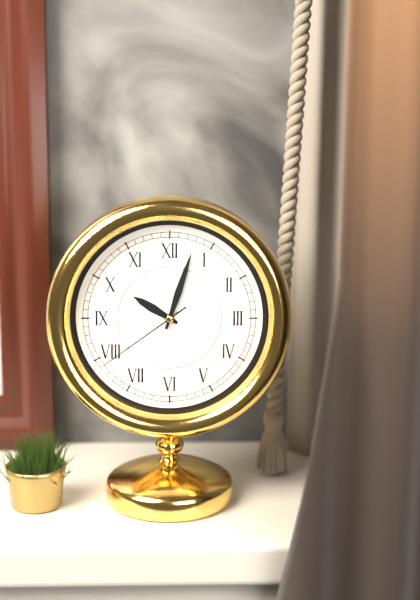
10:03:39
